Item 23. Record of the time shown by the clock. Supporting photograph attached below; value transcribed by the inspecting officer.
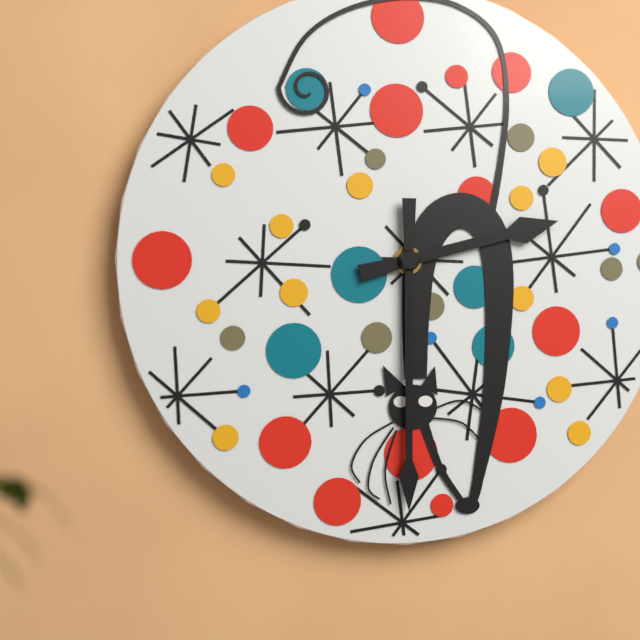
2:30
